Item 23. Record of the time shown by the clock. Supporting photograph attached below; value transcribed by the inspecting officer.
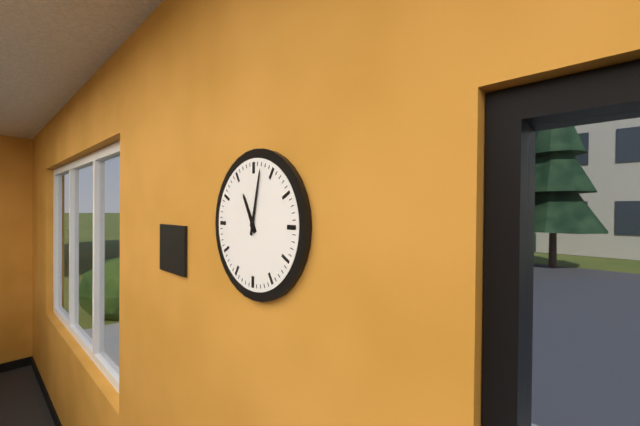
11:02
